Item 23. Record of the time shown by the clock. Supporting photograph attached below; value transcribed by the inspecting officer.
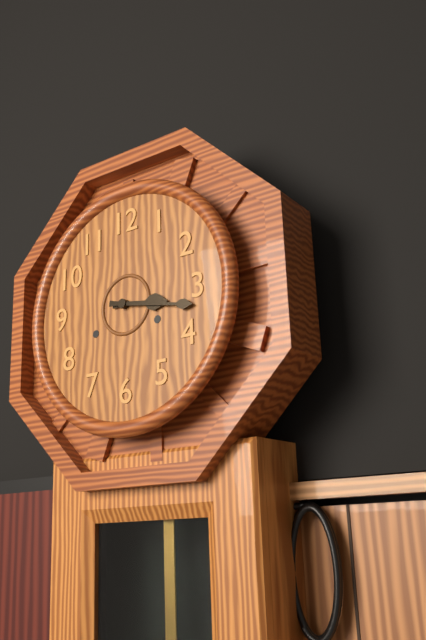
3:17
